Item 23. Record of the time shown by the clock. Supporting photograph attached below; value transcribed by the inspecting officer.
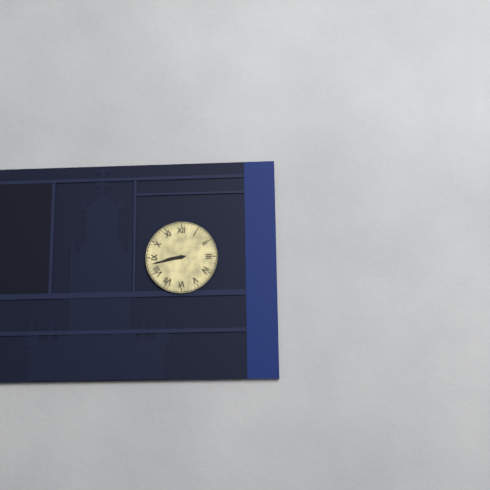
8:43
